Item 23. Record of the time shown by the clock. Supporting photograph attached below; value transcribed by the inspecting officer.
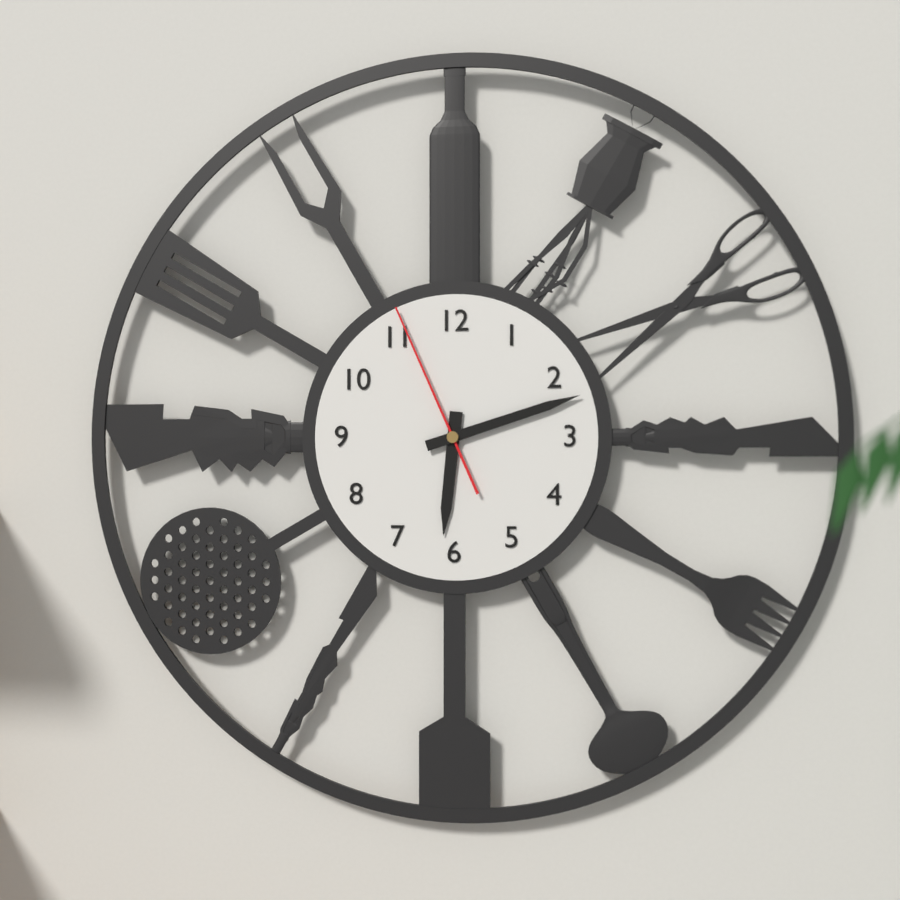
6:12:56
